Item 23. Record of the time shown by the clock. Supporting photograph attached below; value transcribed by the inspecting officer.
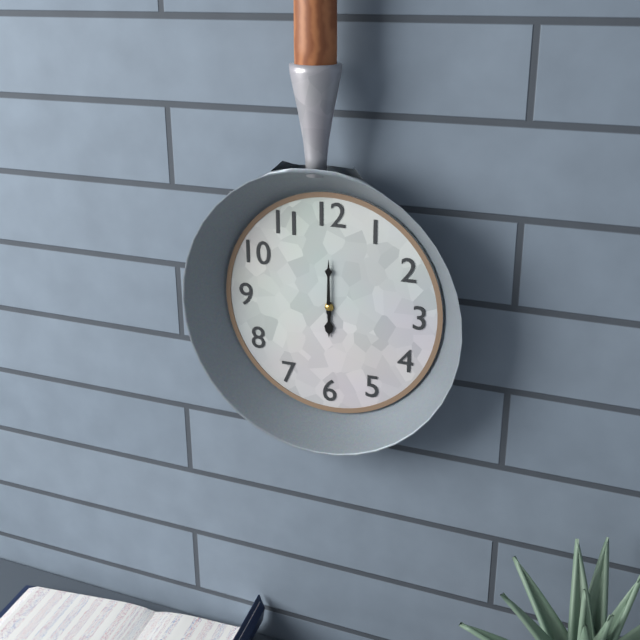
6:00
